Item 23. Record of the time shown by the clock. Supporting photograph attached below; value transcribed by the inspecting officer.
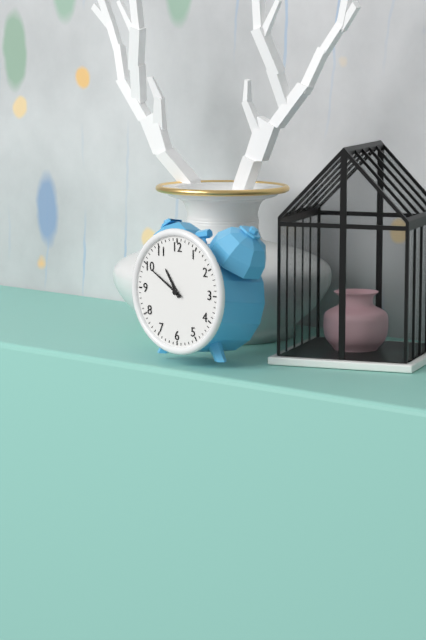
10:50
